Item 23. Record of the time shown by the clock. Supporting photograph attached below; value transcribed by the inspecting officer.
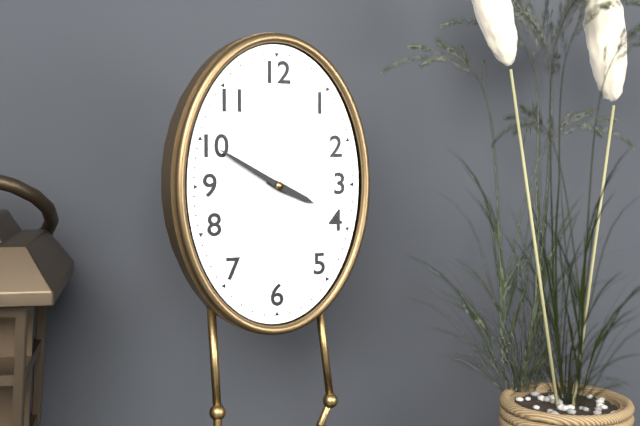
3:50
